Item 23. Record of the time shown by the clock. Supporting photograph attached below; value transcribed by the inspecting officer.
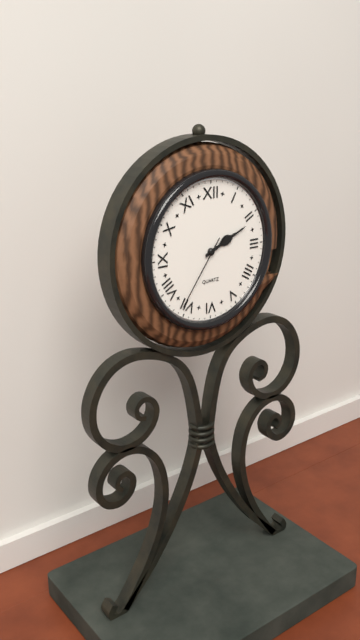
2:11:36
